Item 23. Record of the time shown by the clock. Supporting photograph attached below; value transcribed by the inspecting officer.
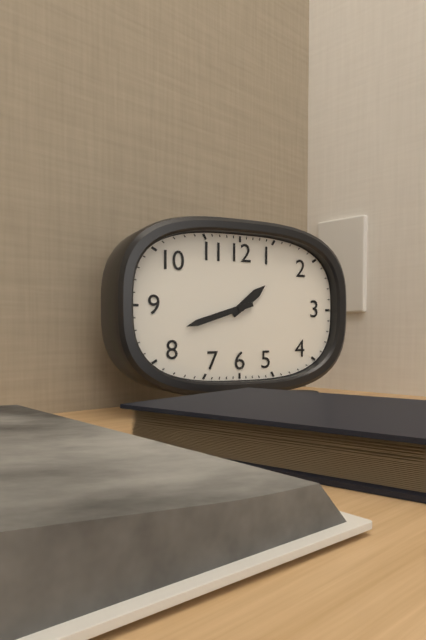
1:42
